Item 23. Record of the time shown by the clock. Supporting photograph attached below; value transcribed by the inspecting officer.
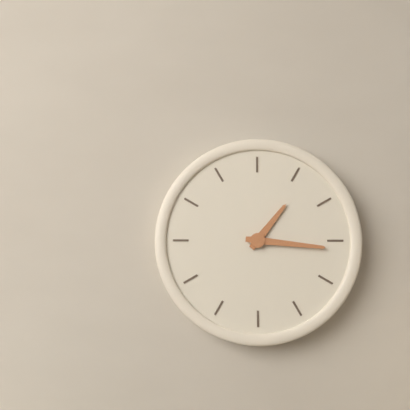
1:16
